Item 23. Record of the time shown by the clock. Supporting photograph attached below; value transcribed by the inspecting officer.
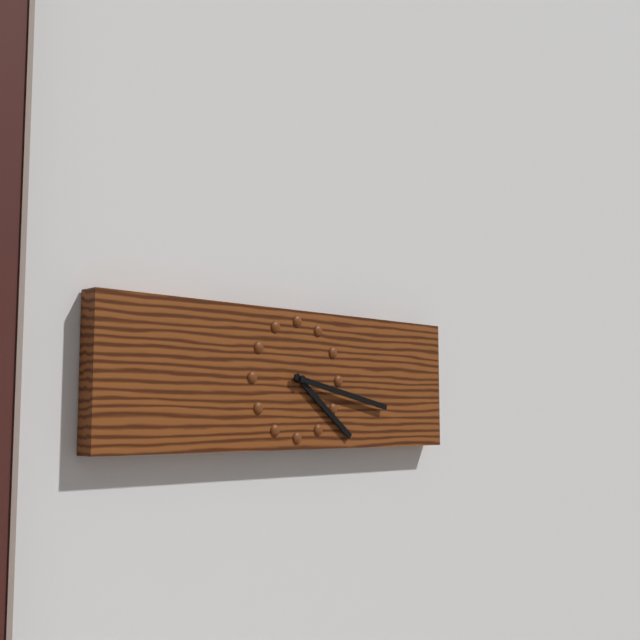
4:17
